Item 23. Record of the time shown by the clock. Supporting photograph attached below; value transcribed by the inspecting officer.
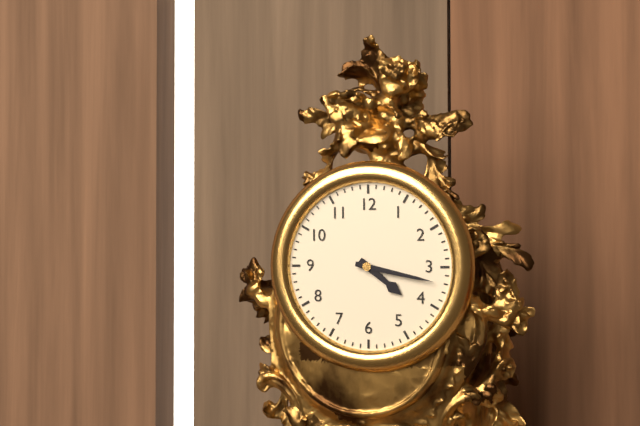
4:17
